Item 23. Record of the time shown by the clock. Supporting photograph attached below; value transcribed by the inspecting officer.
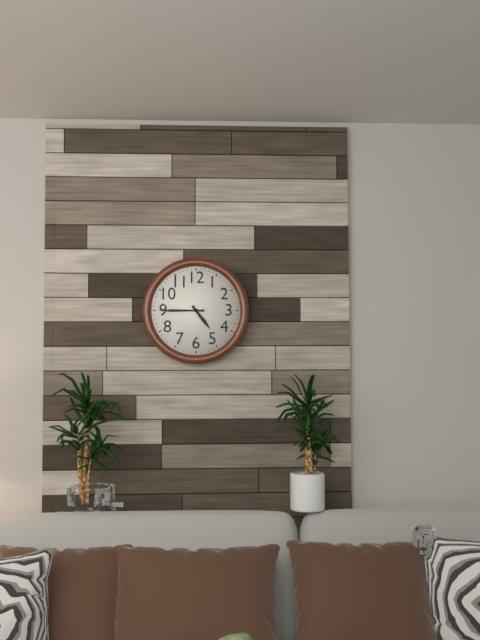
4:45
